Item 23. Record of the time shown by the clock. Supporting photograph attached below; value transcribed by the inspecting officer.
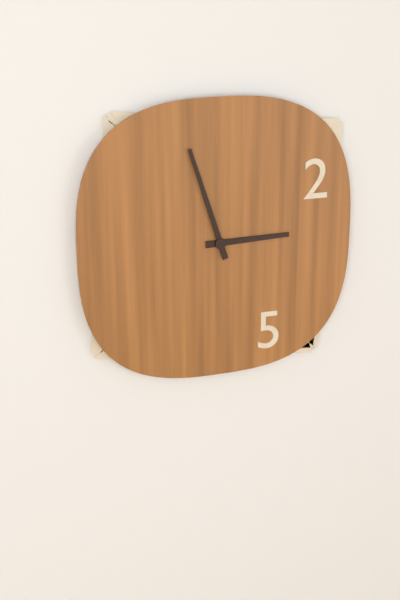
2:57
